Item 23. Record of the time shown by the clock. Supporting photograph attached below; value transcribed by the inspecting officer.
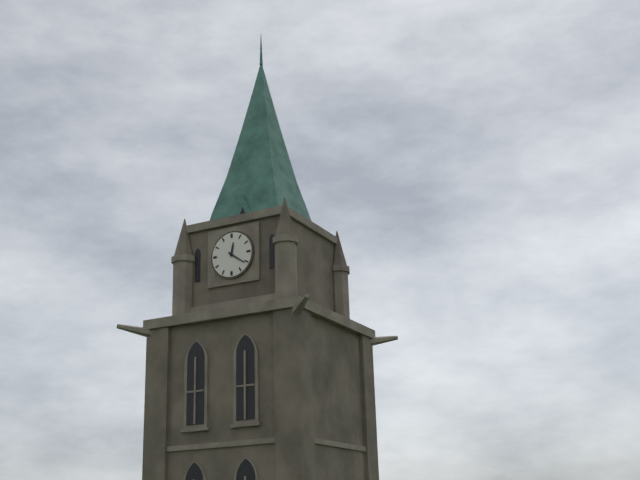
12:21
